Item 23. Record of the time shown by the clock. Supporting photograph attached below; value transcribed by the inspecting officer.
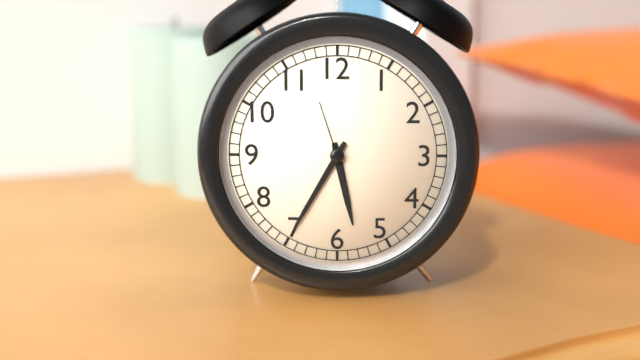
5:35:57
